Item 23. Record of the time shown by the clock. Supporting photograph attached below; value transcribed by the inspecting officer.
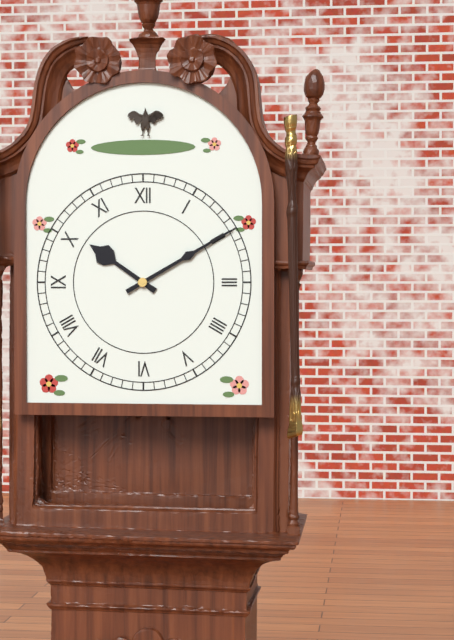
10:10
